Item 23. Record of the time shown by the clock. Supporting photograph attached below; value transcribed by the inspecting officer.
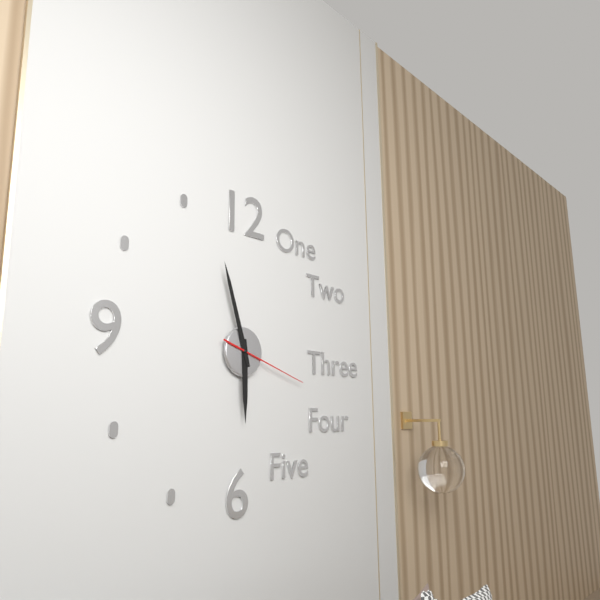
5:57:18
